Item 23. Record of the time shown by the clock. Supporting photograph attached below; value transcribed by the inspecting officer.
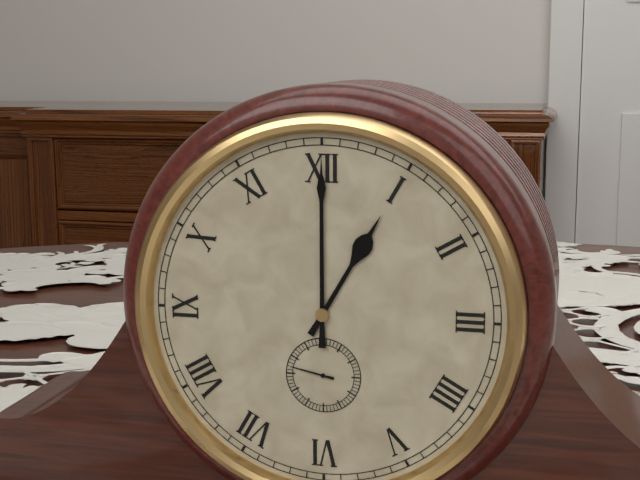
1:00:47
